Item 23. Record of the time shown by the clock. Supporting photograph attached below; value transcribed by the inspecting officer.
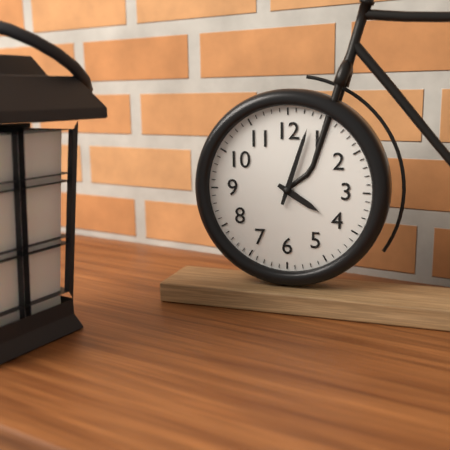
4:03
